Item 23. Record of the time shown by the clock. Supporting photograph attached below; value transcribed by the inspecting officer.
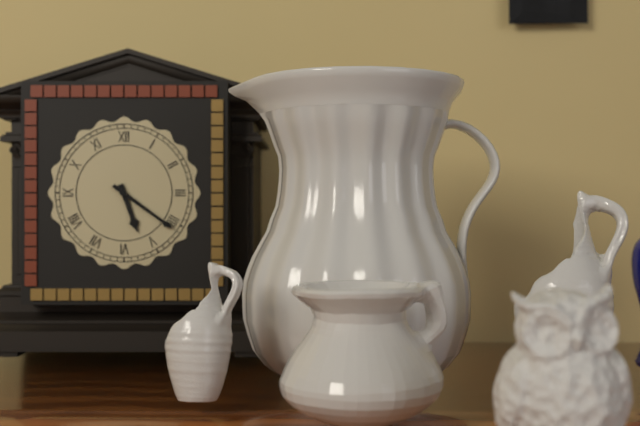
5:21
